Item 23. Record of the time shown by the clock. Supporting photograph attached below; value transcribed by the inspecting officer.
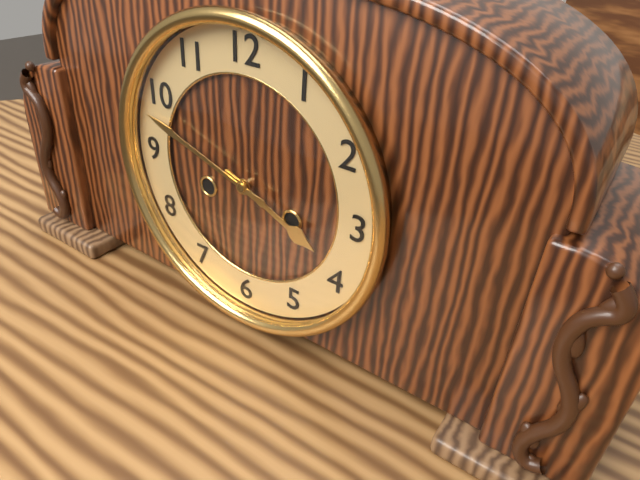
3:48
